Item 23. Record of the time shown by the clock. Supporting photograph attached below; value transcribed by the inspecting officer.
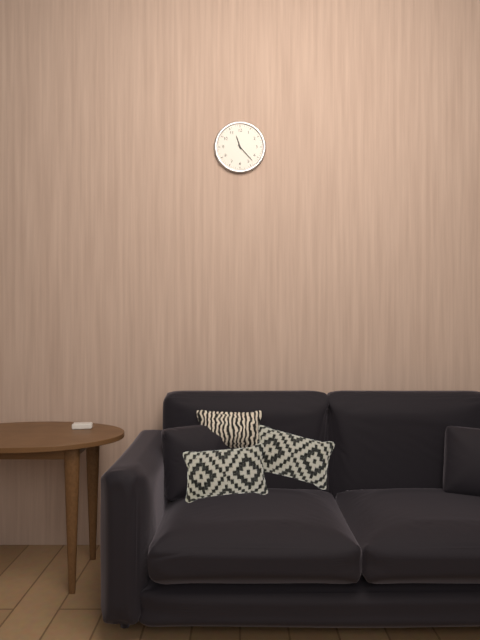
11:23
